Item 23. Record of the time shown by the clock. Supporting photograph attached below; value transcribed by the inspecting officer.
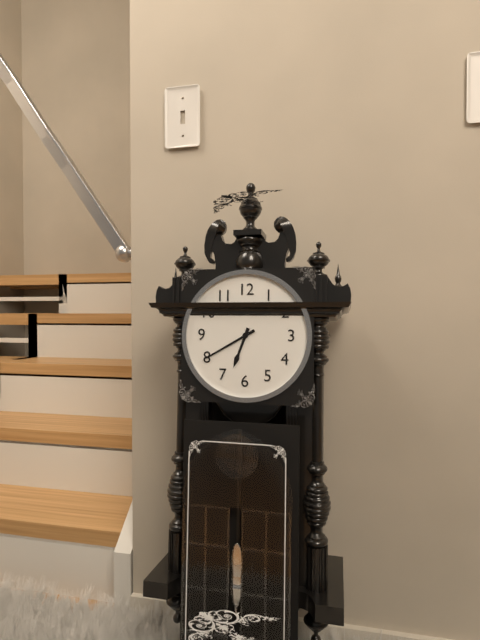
6:40
